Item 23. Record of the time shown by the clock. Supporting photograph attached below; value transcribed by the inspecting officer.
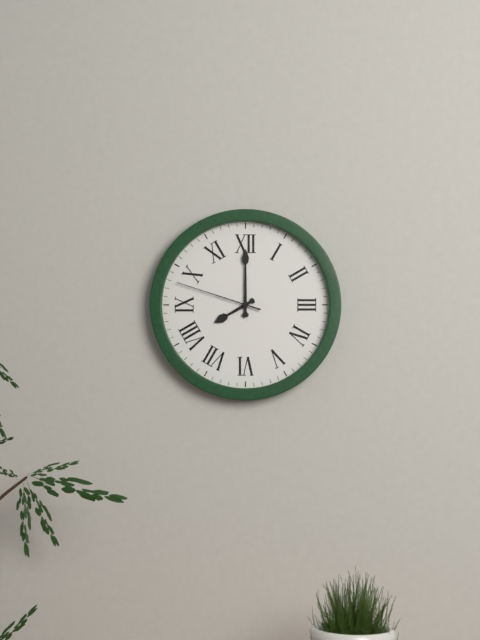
8:00:48
